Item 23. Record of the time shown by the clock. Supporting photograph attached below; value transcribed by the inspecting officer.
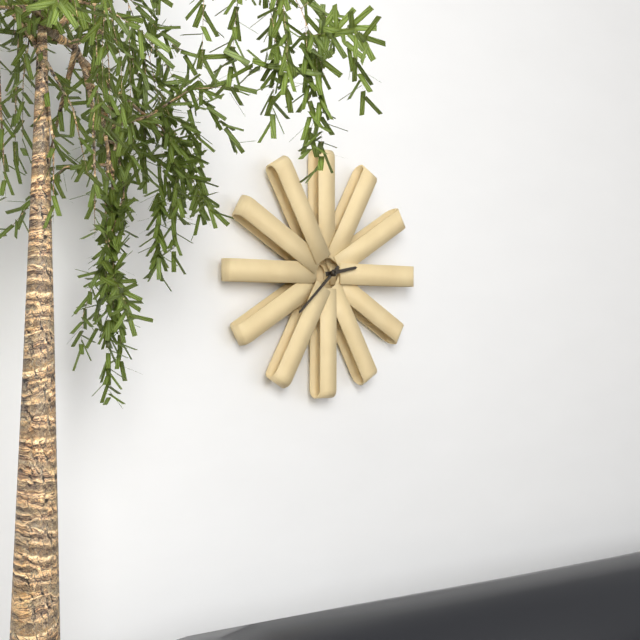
2:38
